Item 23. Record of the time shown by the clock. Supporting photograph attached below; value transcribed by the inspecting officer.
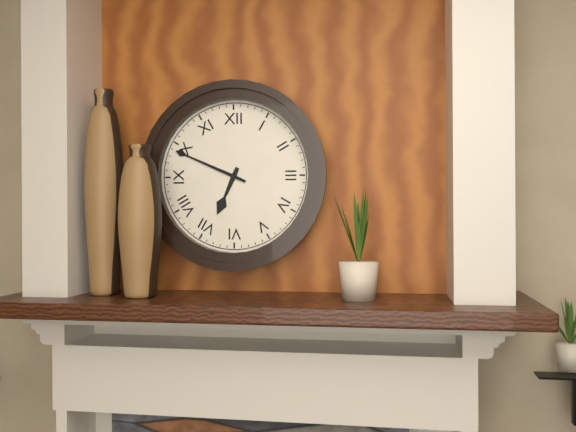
6:49
